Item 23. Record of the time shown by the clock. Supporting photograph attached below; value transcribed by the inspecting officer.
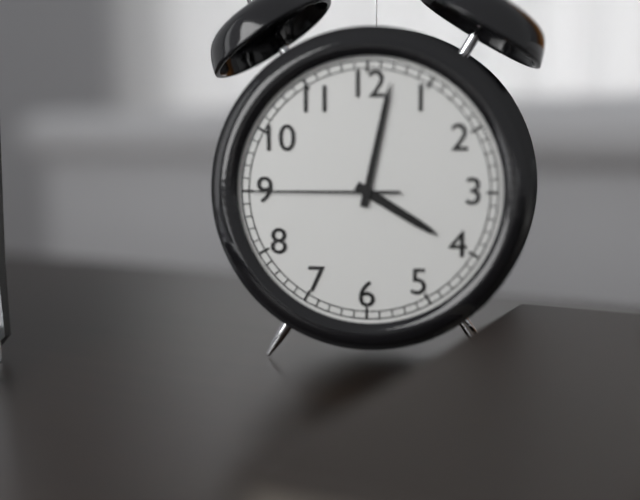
4:02:45
